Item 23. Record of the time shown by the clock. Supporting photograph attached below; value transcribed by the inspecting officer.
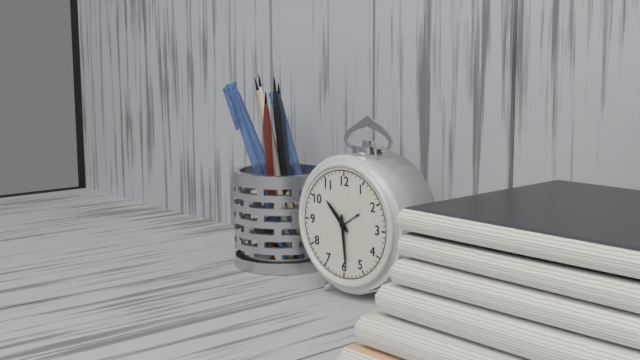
10:29
